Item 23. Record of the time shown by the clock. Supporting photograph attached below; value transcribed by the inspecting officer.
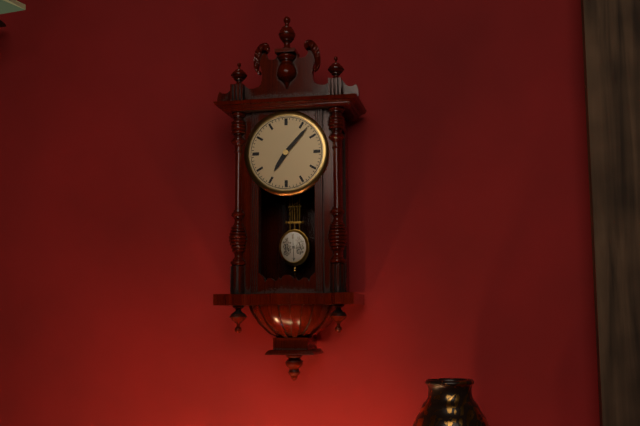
7:07
